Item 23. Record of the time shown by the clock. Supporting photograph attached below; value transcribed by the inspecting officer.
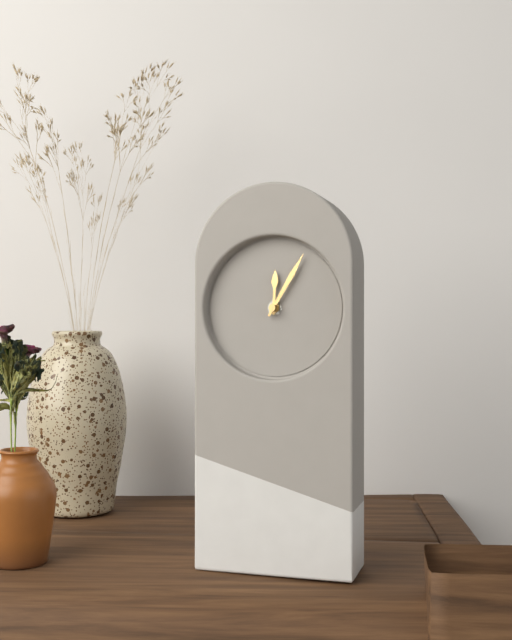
12:05
